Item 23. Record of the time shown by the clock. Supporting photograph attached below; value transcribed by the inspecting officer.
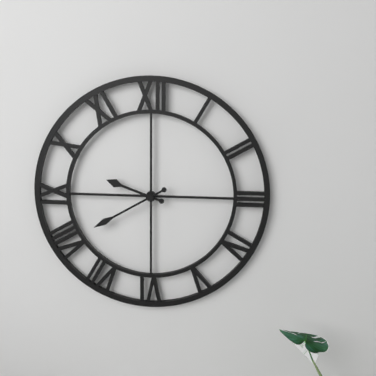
9:40
